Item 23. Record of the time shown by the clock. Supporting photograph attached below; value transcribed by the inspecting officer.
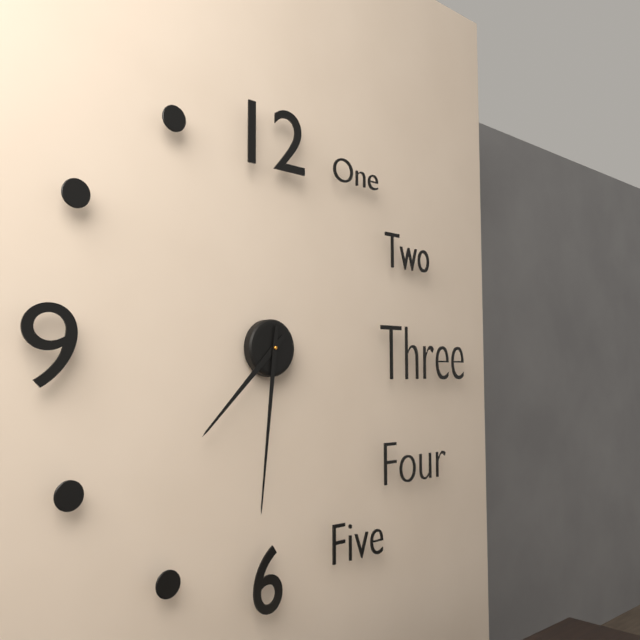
7:31
